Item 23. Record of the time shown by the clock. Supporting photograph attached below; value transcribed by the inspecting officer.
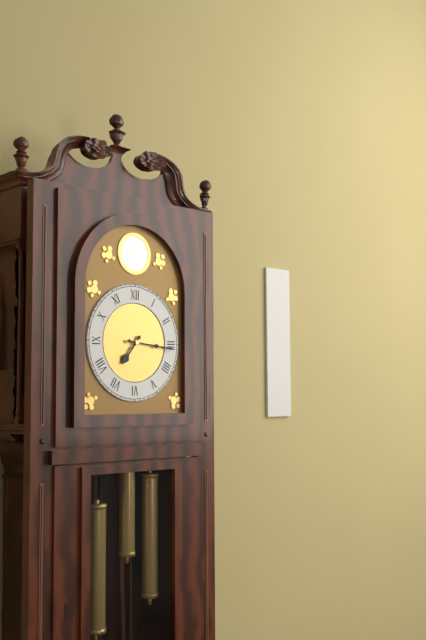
7:16
